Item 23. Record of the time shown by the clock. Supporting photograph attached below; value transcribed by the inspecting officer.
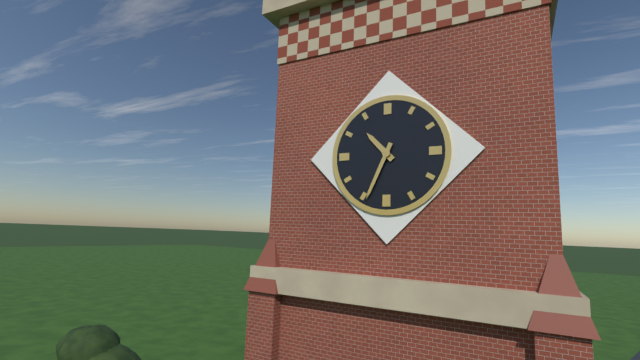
10:34
